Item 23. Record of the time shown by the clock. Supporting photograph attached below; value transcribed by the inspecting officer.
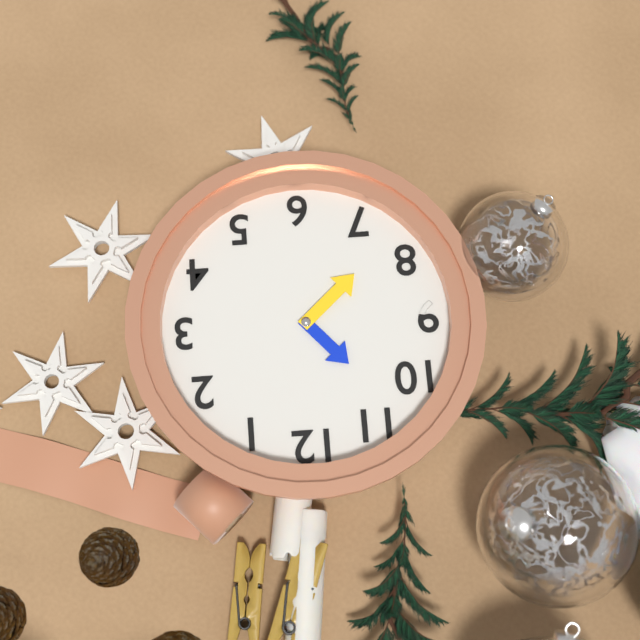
10:38
